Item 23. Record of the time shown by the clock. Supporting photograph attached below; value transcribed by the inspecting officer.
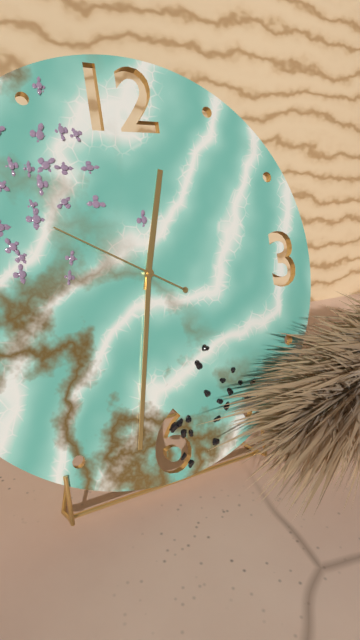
12:32:50
